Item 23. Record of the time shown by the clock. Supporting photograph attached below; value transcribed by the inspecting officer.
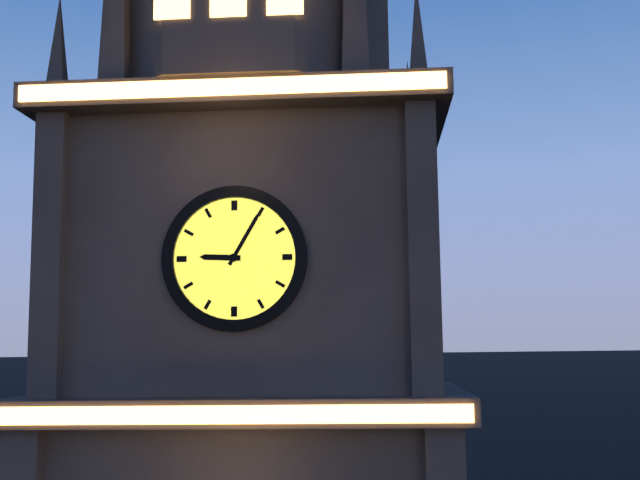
9:05
